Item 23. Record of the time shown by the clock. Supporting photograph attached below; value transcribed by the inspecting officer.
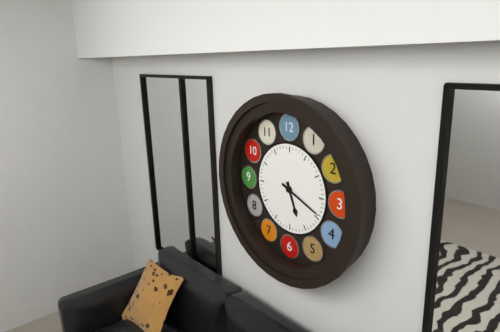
5:19
